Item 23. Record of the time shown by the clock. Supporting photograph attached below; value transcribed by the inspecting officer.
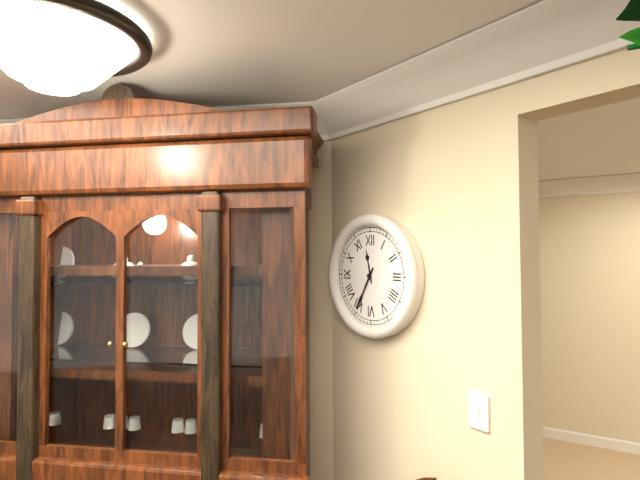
11:35
